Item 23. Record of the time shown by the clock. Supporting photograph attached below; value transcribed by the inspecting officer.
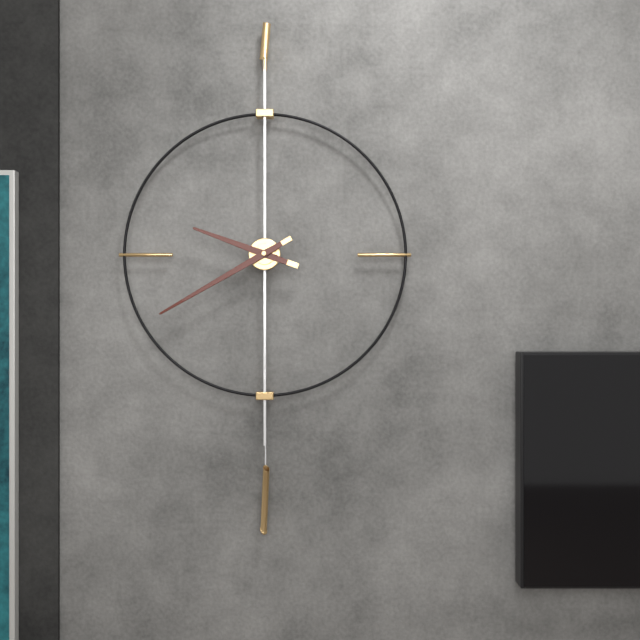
9:40
